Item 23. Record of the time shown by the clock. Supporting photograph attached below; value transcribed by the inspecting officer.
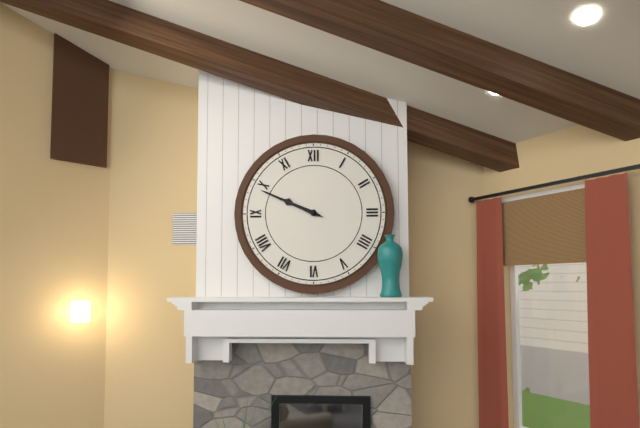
9:49
